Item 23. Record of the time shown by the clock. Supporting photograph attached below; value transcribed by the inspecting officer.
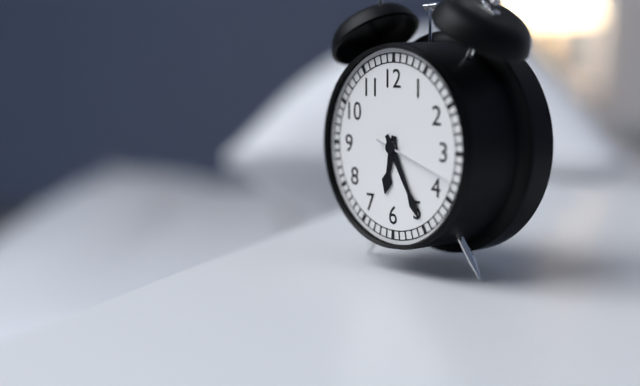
6:25:18
